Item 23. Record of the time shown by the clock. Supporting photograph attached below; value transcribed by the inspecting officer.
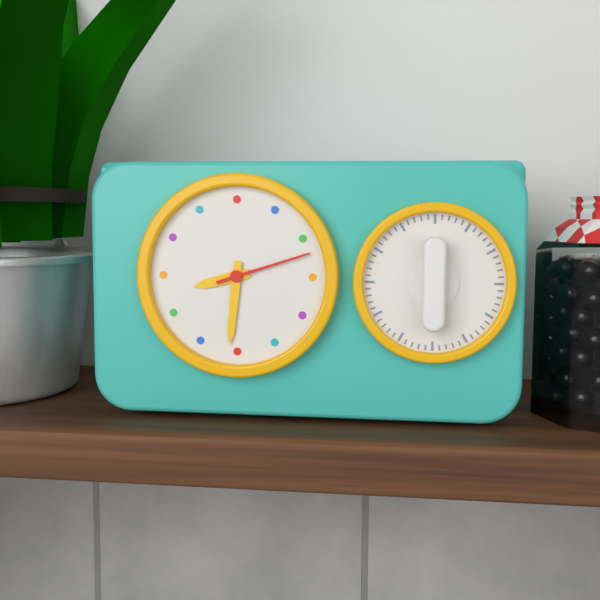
8:31:12
